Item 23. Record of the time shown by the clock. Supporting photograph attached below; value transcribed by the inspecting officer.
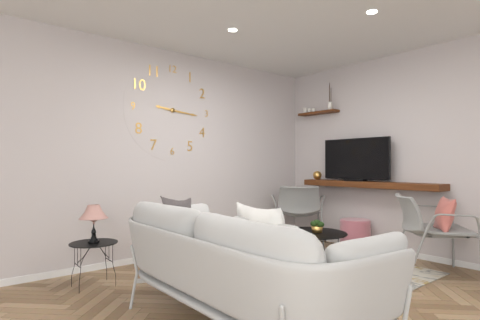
9:16
